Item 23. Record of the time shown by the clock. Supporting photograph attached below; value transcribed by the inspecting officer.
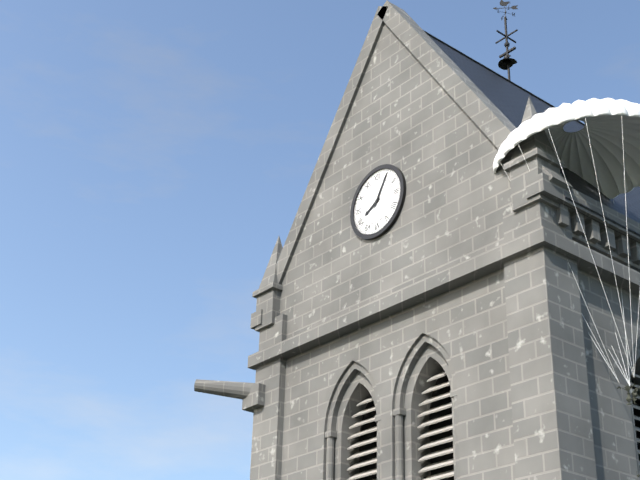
8:05
